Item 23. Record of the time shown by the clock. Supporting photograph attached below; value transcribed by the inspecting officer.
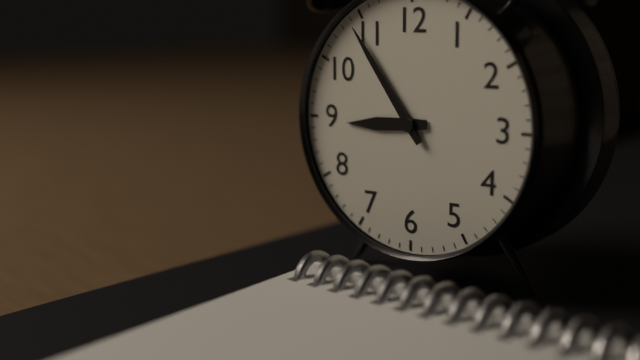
8:54
